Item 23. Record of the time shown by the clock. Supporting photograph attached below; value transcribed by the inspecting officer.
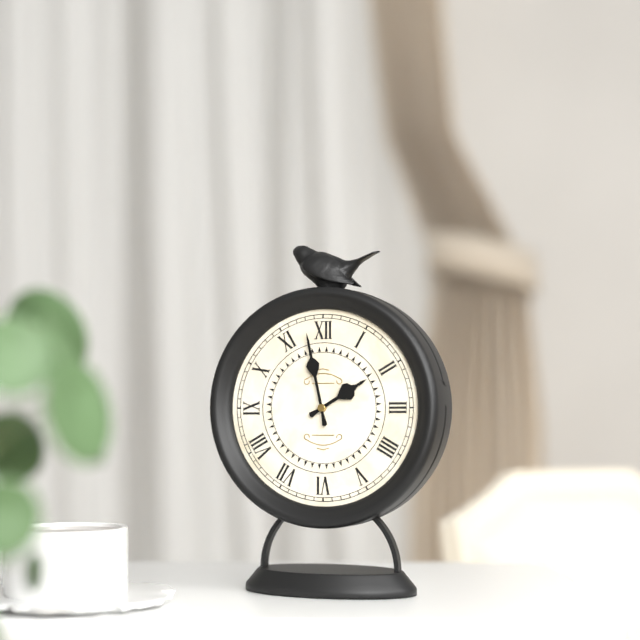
1:58
